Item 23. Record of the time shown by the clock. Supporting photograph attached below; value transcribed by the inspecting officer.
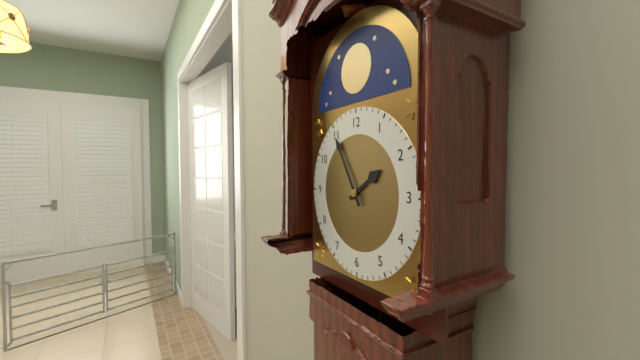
1:55
